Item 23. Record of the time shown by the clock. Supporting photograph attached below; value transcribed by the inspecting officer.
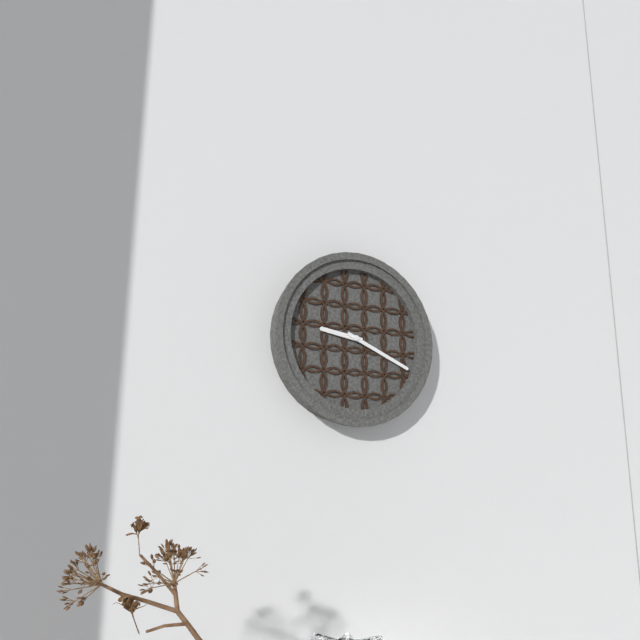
9:19
